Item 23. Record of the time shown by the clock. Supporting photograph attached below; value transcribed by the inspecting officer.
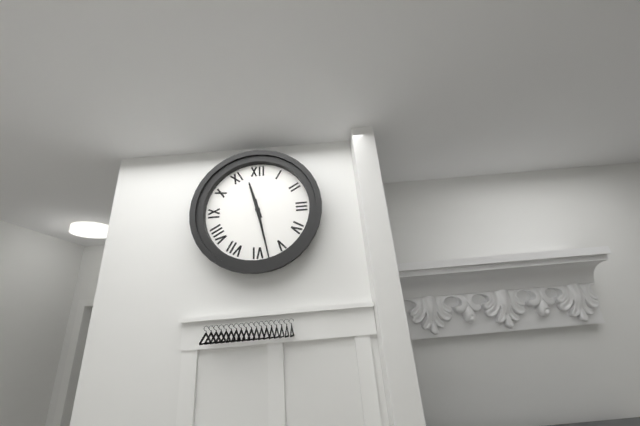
11:28
